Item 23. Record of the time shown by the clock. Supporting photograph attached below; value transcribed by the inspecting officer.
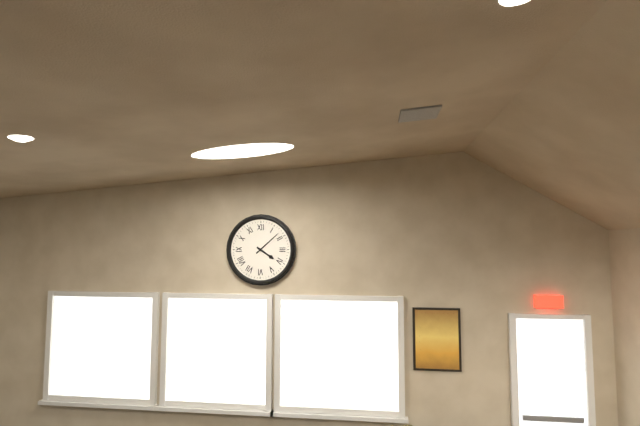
4:08
